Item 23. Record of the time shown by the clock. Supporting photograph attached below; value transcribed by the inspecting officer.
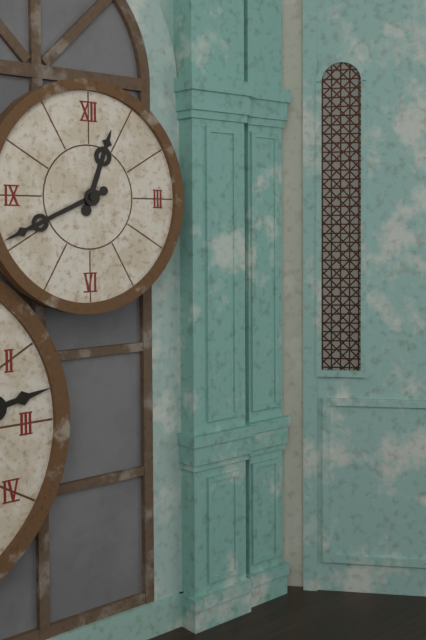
12:41
